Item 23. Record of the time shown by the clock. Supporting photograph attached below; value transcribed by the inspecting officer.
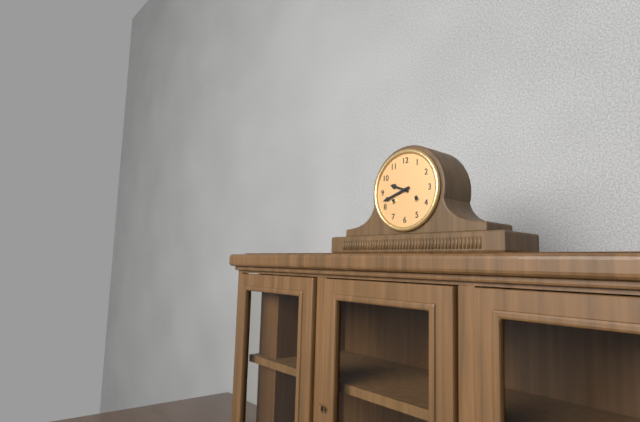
9:42
